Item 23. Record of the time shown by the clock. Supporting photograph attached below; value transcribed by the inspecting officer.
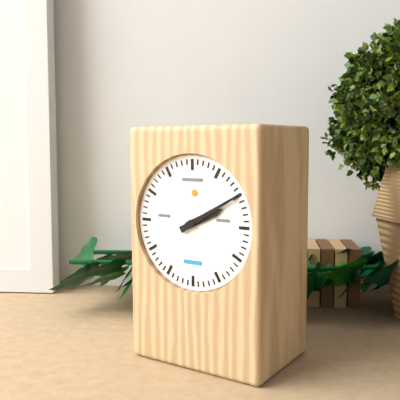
2:10
